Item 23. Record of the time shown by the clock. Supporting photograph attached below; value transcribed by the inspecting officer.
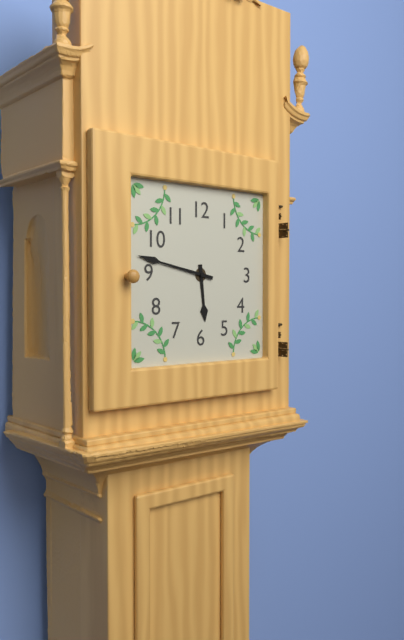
5:47
